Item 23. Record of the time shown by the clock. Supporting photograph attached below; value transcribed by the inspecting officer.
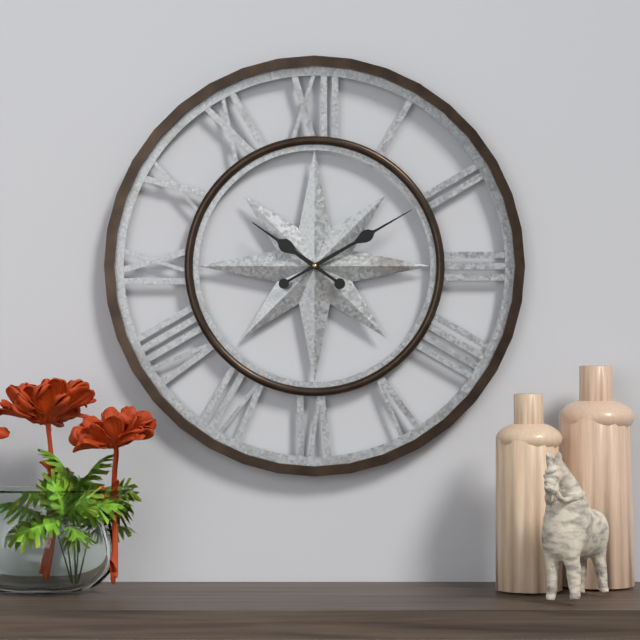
10:10
